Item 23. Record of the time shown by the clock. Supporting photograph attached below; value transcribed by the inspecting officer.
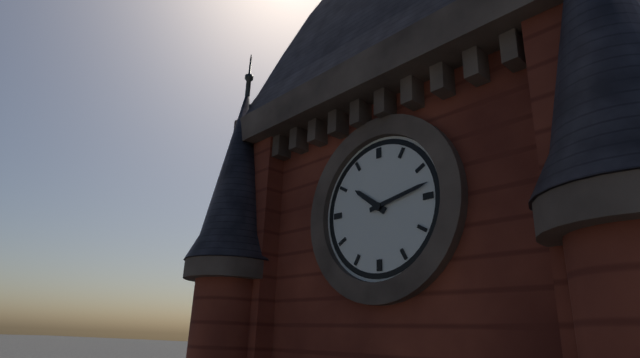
10:13
